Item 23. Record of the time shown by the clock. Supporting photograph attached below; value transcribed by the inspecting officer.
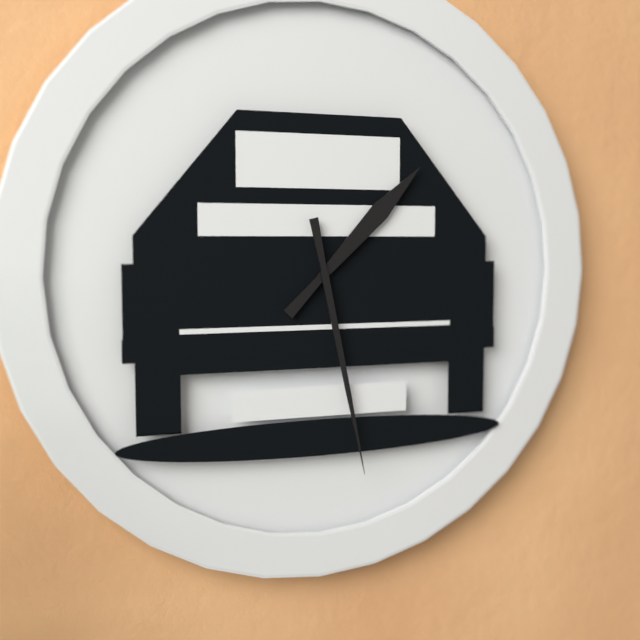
1:28
